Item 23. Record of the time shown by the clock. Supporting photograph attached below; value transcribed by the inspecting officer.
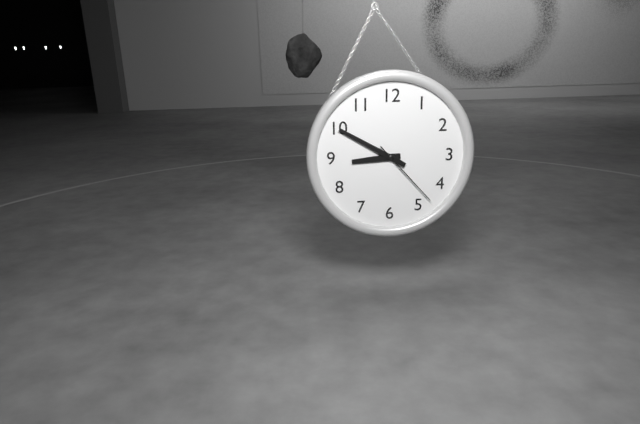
8:50:23
